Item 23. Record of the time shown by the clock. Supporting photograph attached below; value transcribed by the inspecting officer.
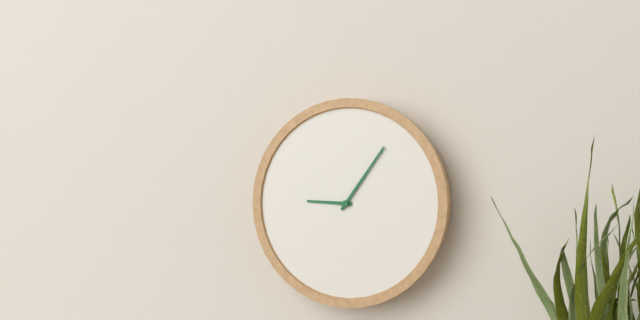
9:06
